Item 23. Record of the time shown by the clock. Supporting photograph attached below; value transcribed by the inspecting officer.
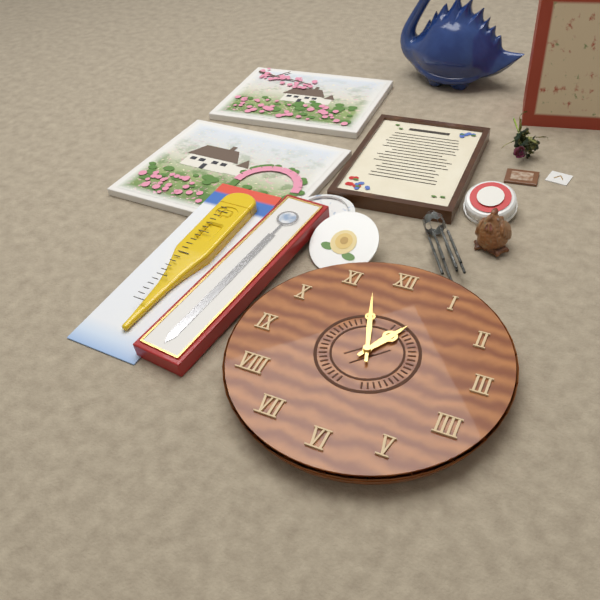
12:57
